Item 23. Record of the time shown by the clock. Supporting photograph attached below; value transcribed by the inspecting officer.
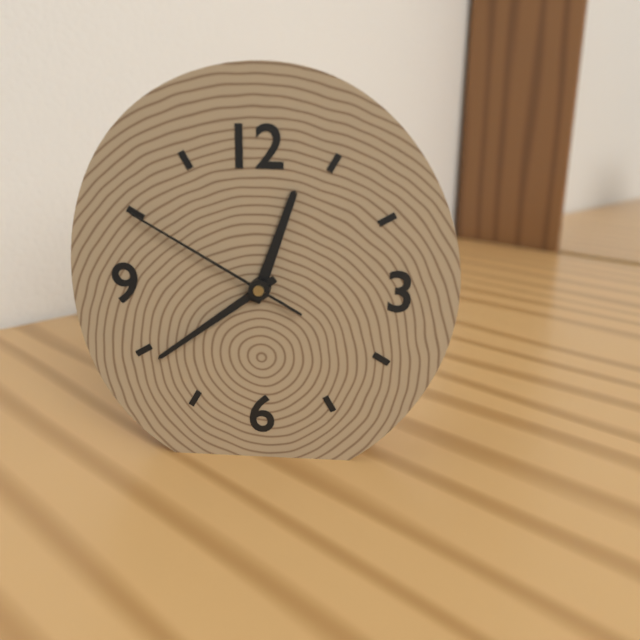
12:39:50
